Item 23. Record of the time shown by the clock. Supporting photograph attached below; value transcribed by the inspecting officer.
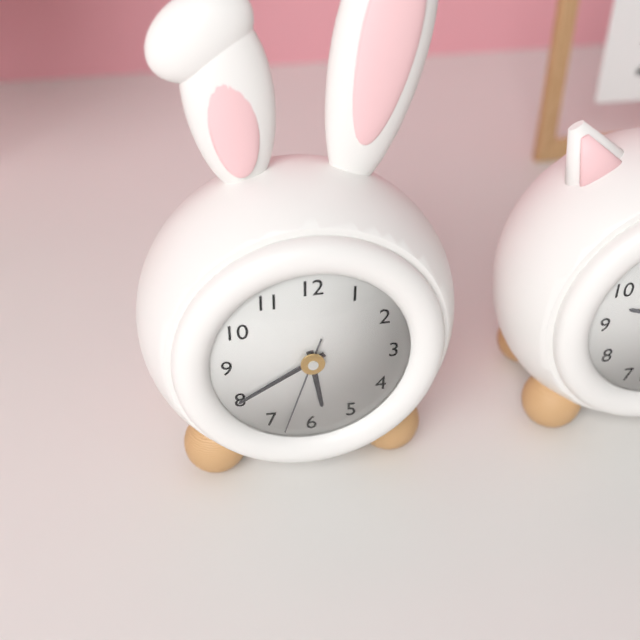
5:40:33
